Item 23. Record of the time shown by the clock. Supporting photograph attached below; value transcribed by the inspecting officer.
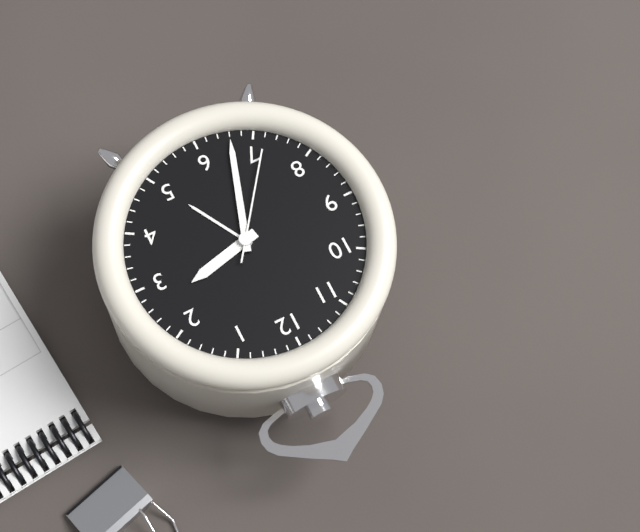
2:33:36
